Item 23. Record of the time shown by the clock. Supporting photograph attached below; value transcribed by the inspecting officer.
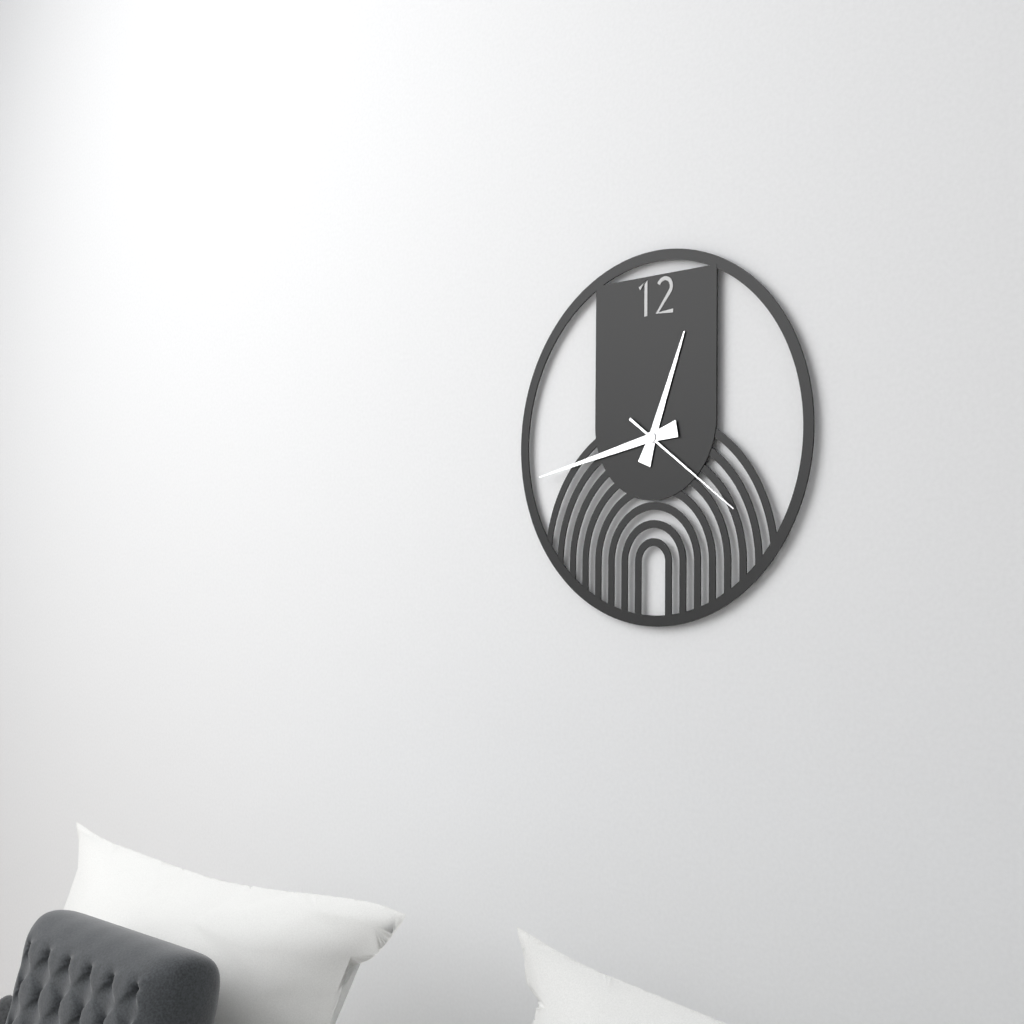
12:43:21
